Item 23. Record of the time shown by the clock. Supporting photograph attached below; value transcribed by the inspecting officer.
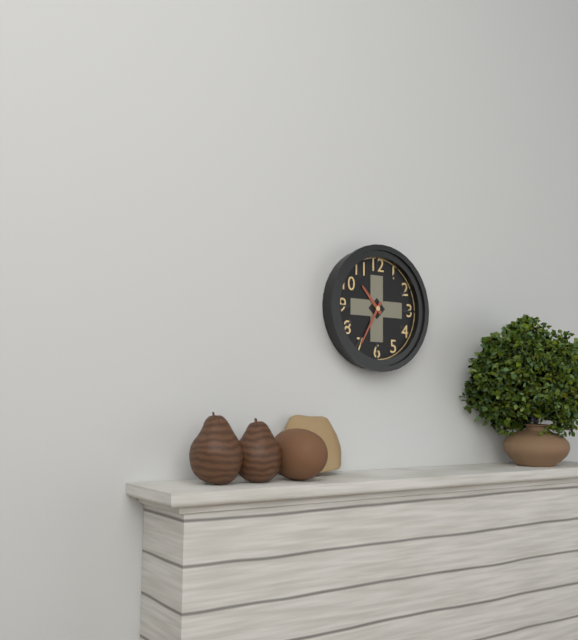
10:35
